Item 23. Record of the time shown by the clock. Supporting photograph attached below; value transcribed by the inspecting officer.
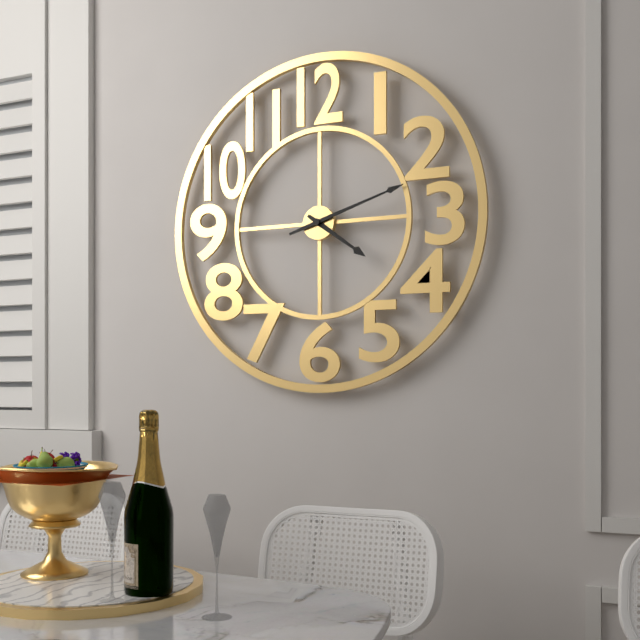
4:12
